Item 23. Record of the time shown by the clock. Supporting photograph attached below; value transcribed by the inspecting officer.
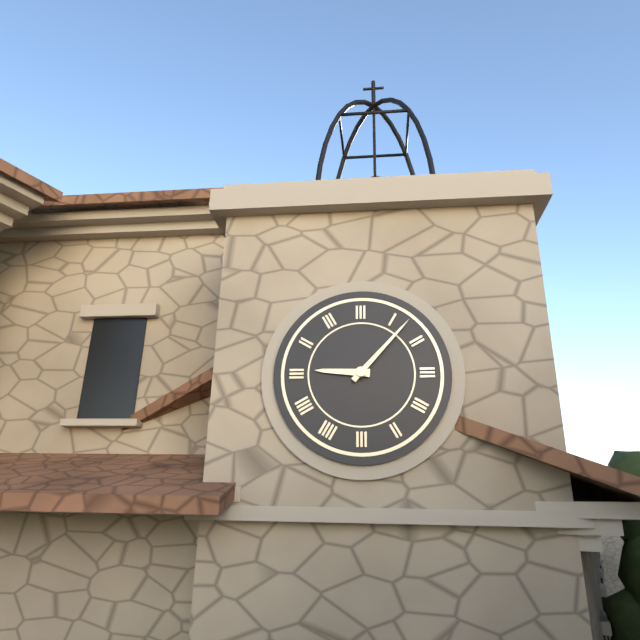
9:07
